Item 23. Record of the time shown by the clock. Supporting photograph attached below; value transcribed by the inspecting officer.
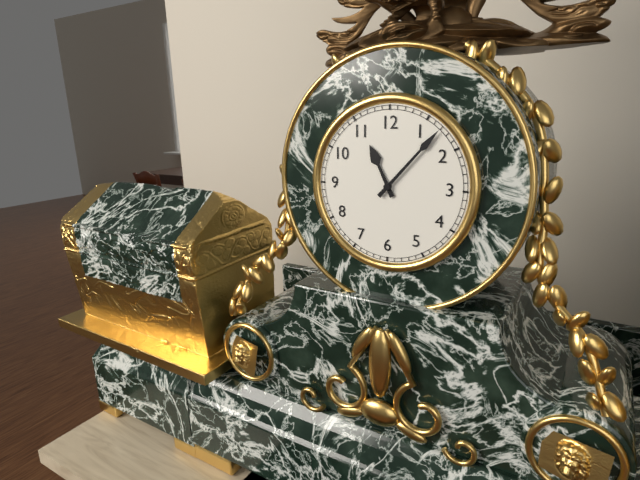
11:07
